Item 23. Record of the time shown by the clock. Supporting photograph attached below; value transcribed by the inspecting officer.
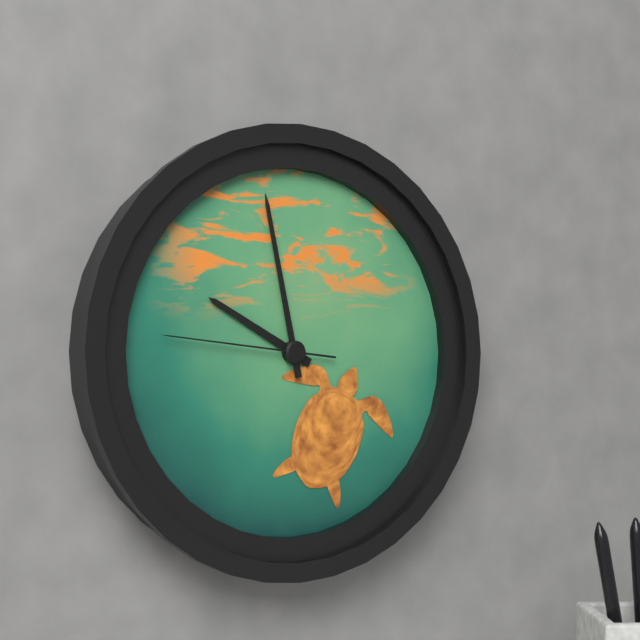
9:58:46
